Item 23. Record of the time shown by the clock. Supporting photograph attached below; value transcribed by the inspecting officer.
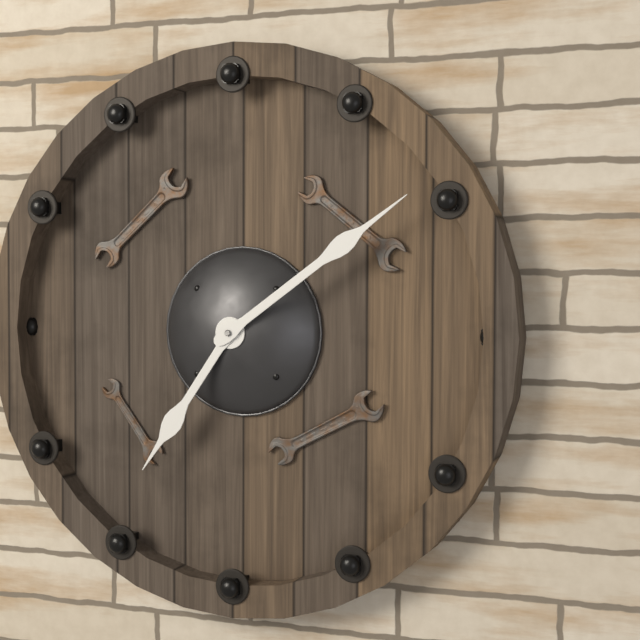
7:09
